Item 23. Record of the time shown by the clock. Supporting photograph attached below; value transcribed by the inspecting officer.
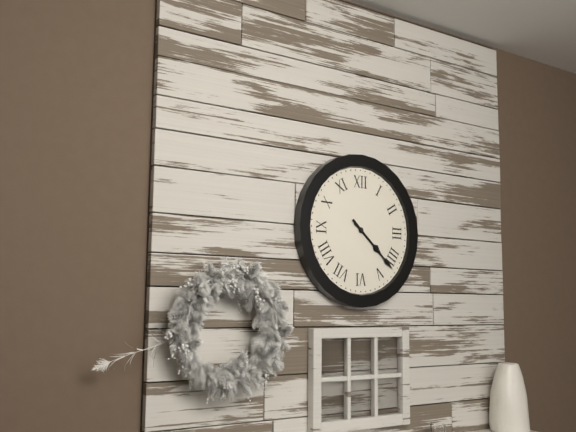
4:22
